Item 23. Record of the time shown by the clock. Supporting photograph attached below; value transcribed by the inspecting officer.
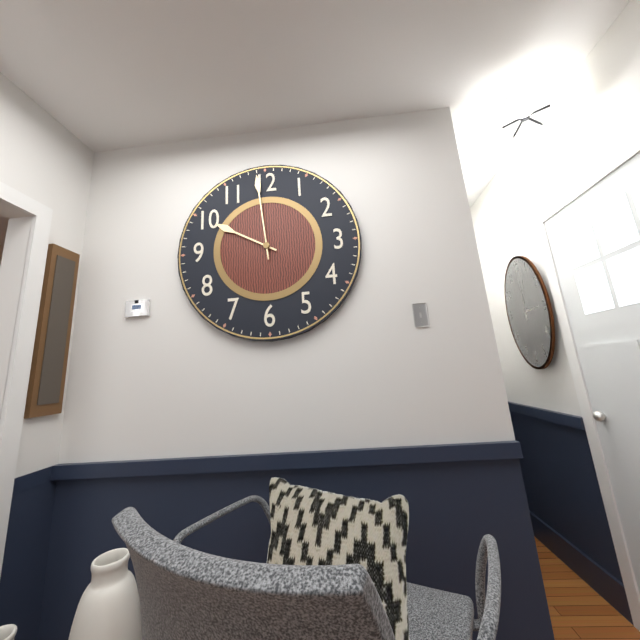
9:59
